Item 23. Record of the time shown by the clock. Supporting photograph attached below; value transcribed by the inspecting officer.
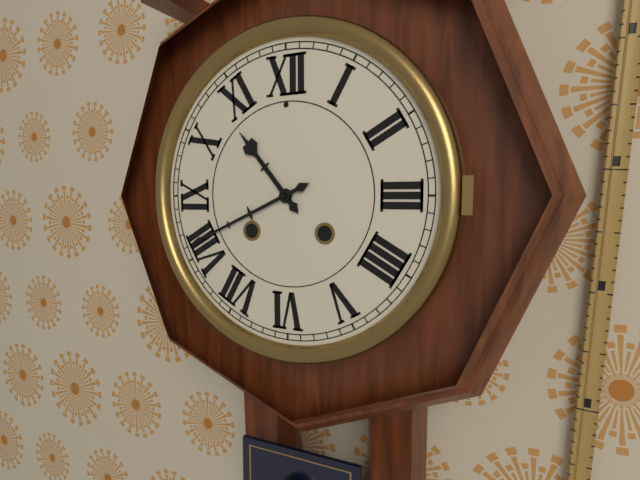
10:41
